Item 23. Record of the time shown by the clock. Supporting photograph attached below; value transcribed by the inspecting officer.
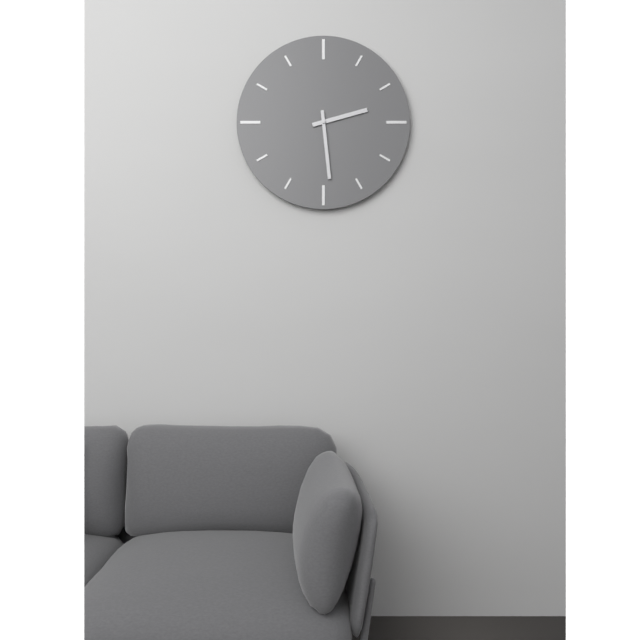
2:29
